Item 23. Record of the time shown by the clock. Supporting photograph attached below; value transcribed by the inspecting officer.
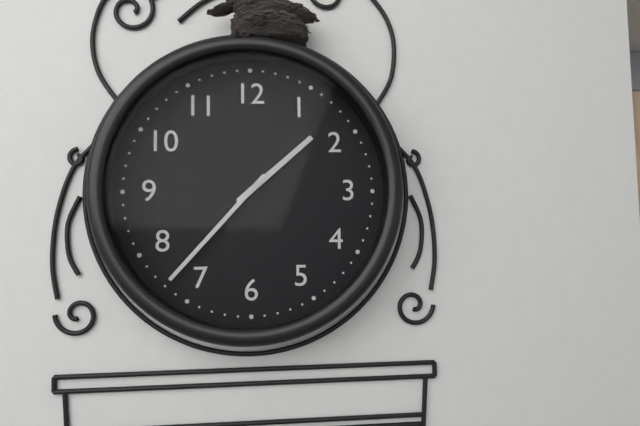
1:37
